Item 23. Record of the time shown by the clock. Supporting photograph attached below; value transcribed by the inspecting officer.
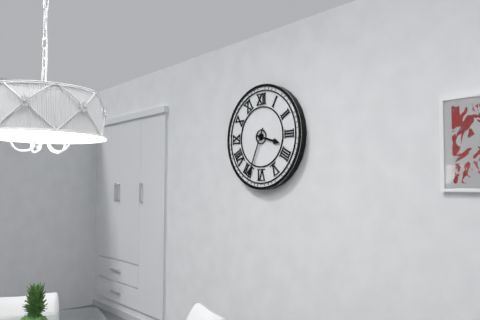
3:34
